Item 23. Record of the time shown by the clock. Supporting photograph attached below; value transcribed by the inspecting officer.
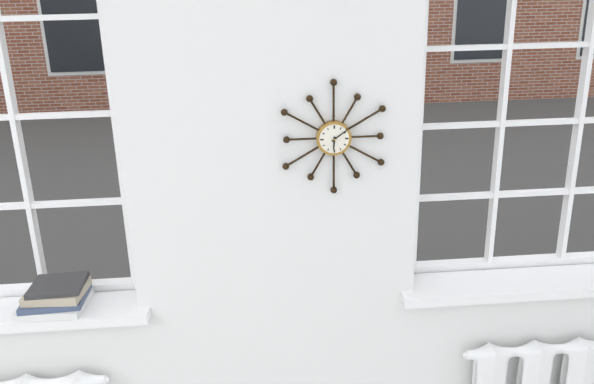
6:09
